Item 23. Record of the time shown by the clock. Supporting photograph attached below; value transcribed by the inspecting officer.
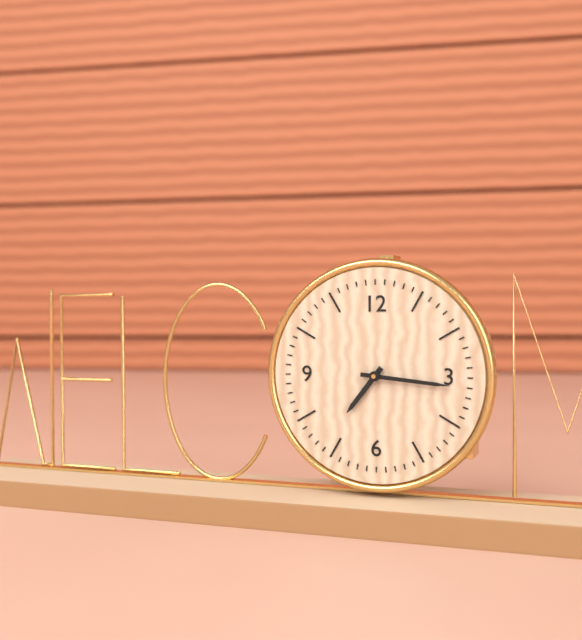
7:16
